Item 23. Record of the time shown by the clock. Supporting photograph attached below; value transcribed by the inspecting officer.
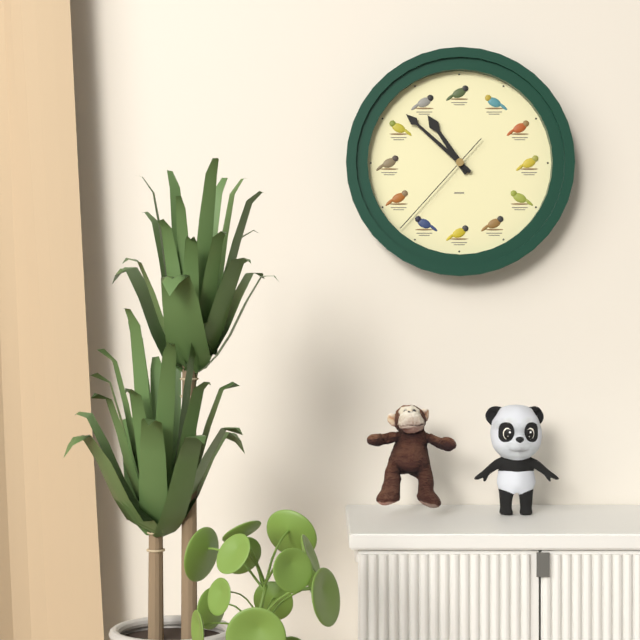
10:52:37
